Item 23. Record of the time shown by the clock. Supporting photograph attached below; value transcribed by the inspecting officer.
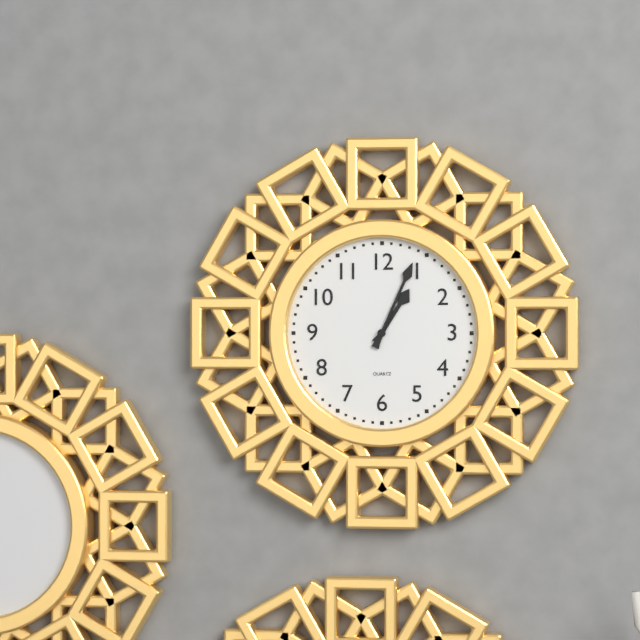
1:04
